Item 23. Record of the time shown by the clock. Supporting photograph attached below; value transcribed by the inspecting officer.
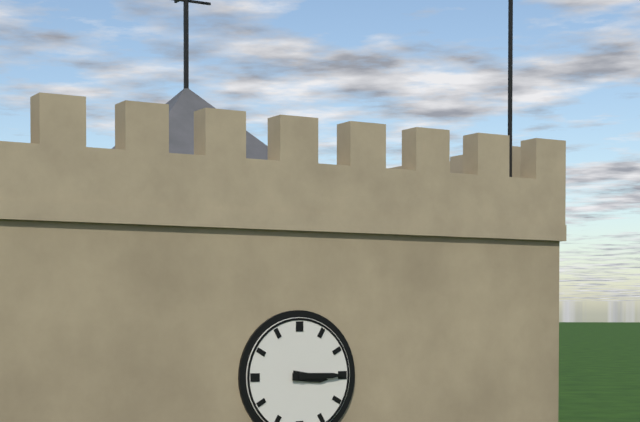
3:15
